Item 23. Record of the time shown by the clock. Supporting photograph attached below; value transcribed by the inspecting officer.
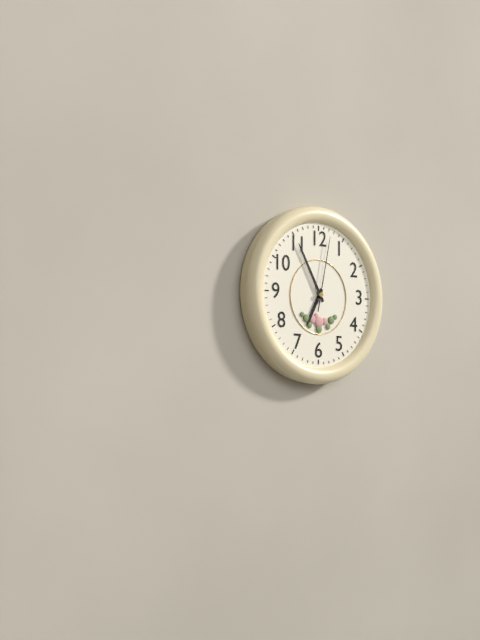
6:55:02
